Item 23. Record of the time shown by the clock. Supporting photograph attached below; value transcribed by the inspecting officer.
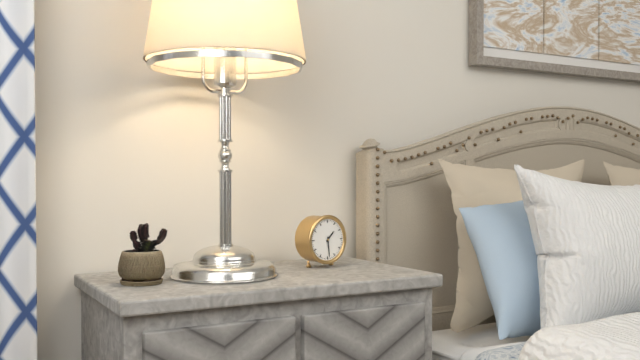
1:29
